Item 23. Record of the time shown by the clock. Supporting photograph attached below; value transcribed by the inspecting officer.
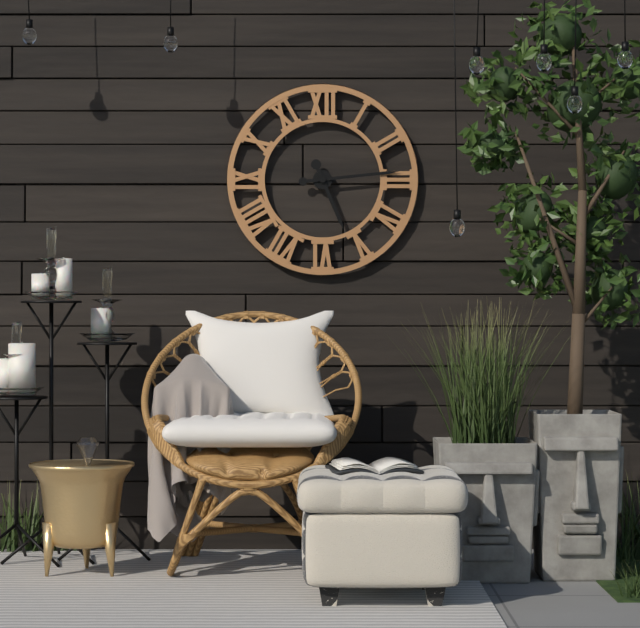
5:14
